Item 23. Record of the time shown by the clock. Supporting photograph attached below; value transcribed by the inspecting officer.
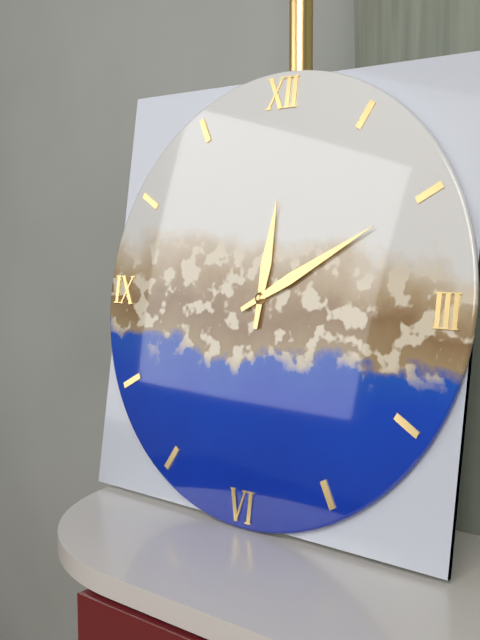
12:10
